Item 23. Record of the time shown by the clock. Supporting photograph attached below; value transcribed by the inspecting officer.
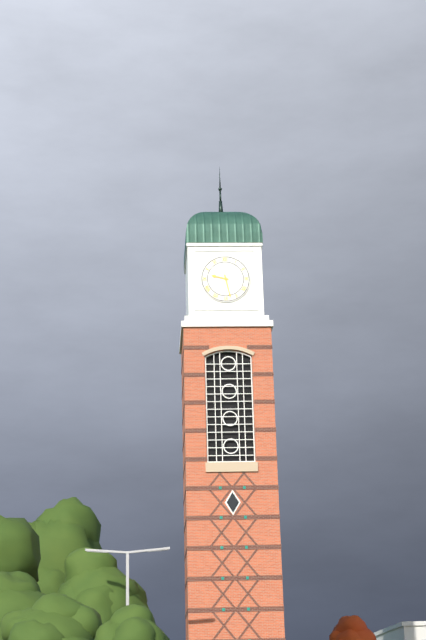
9:28
